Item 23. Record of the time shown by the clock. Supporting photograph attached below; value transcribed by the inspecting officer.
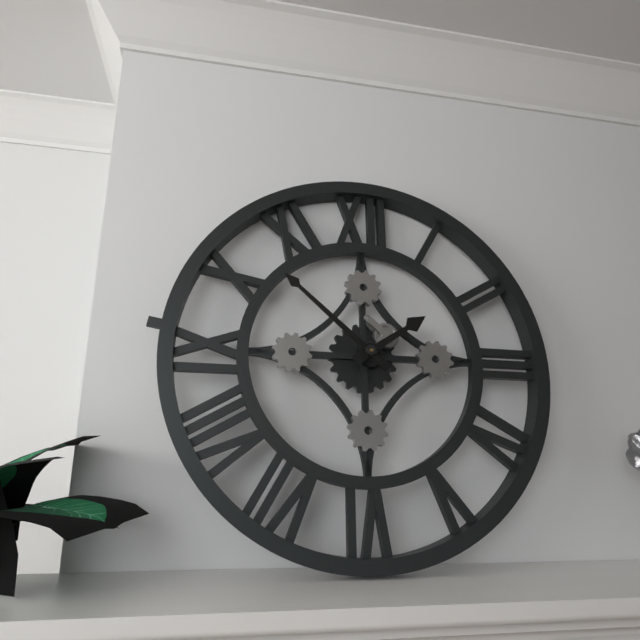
1:52
